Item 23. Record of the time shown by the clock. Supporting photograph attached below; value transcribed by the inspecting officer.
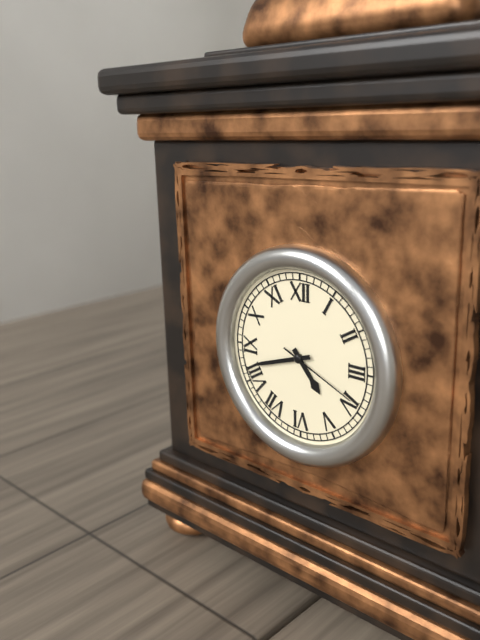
4:42:19
